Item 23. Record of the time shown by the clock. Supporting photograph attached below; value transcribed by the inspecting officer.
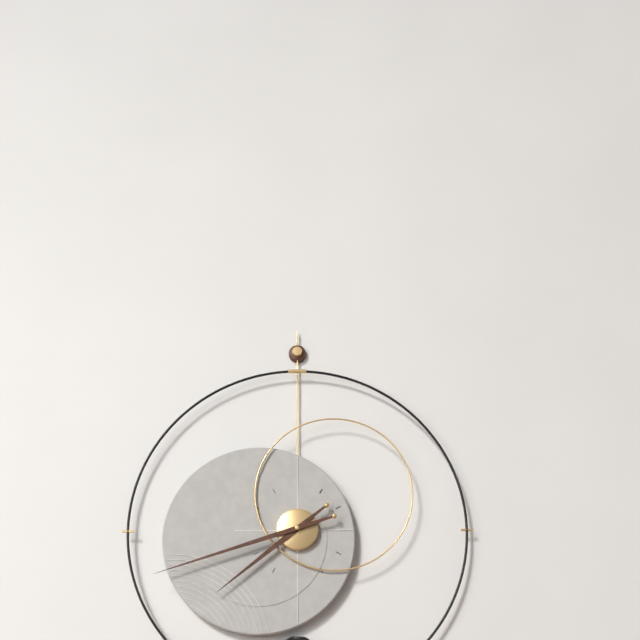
7:42
